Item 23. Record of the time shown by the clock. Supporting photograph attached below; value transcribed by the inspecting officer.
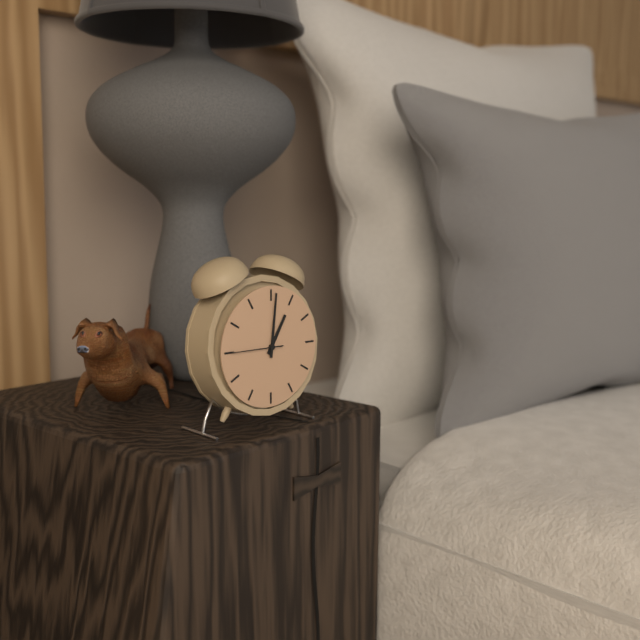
1:01
